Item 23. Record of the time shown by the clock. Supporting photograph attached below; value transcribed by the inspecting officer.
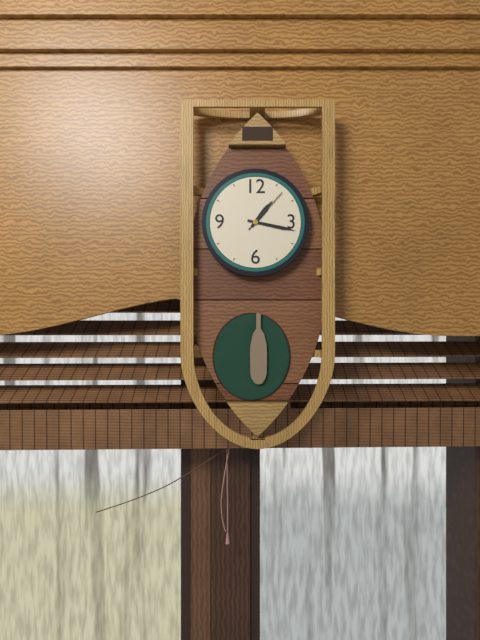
1:17
